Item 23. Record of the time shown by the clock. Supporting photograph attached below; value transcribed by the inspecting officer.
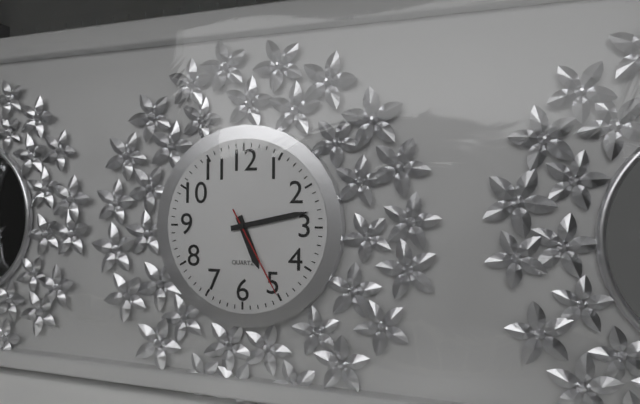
5:13:25
